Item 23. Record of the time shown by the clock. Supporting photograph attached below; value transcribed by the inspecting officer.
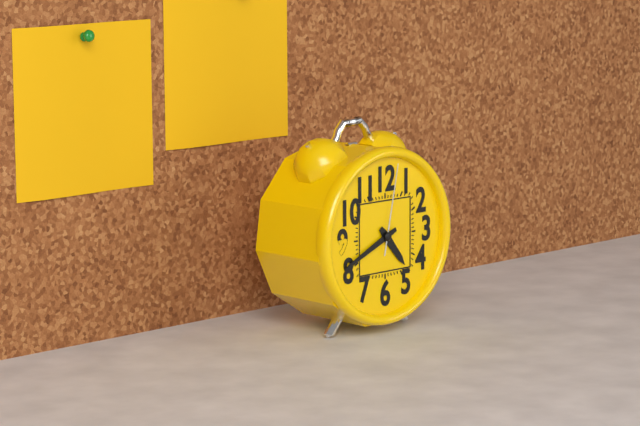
4:41:02
